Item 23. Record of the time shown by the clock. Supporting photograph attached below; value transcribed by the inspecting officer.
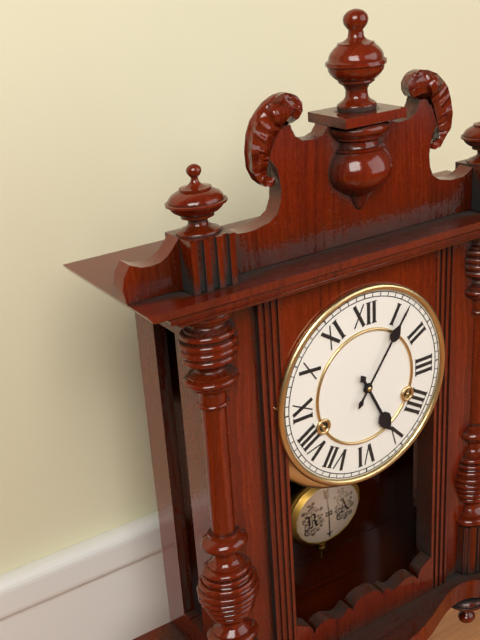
5:06
